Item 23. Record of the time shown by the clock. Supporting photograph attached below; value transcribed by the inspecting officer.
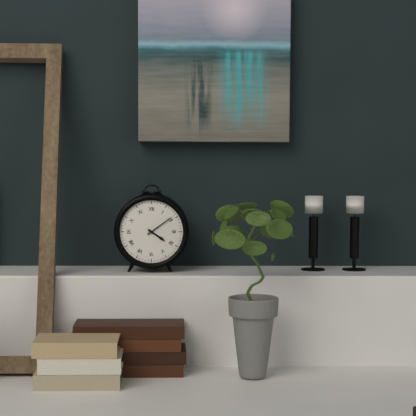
4:09
